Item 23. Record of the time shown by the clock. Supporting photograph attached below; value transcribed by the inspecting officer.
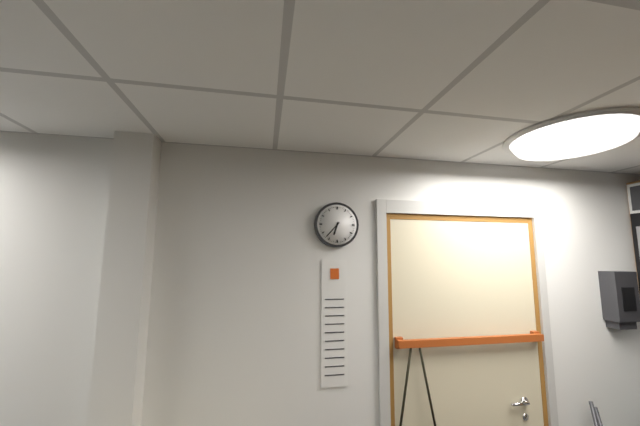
6:37
